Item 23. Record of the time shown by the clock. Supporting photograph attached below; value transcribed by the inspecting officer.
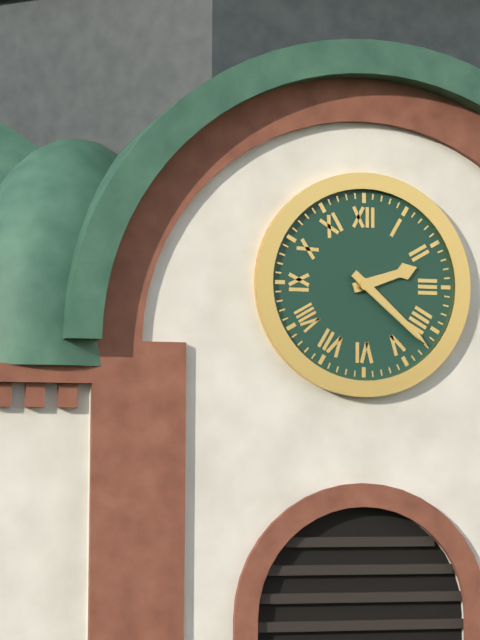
2:22
